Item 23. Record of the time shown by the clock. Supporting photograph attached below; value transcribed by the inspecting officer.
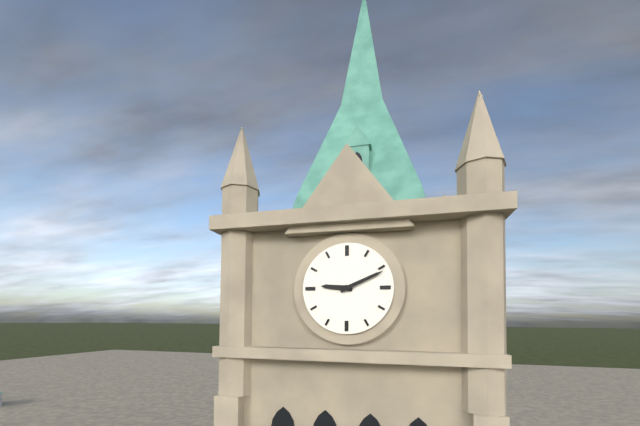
9:11
